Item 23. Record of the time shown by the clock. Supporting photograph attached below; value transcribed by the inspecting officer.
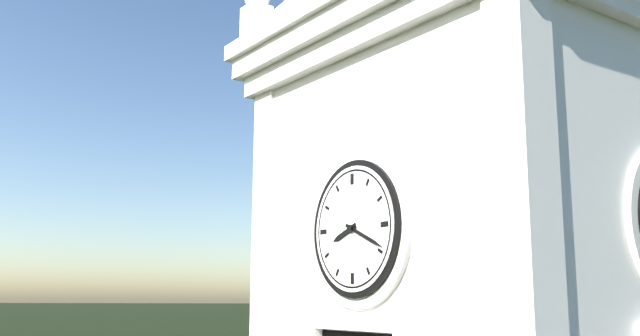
8:19
